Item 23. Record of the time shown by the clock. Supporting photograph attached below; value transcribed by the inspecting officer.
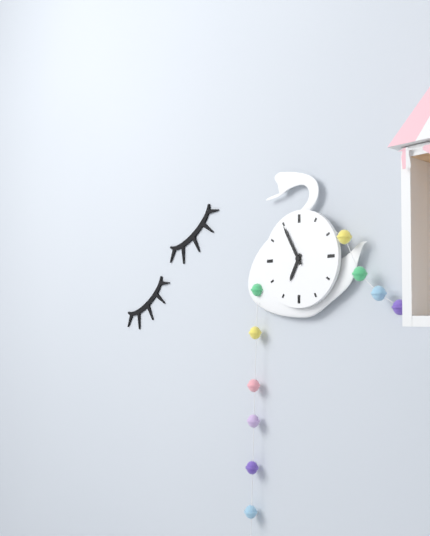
6:55
